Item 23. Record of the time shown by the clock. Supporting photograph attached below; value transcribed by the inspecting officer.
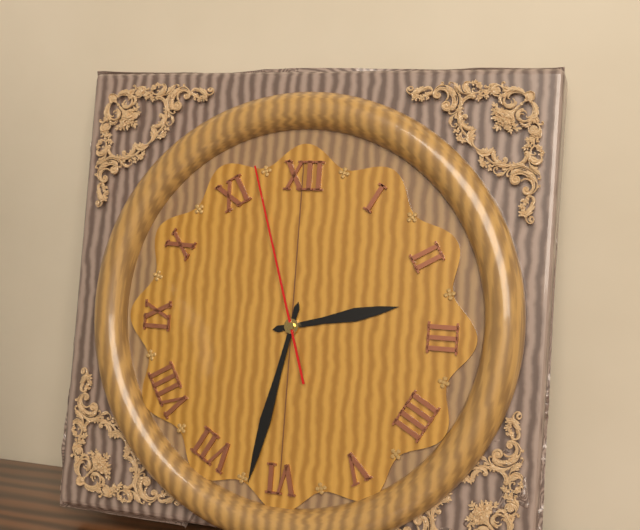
2:32:57
